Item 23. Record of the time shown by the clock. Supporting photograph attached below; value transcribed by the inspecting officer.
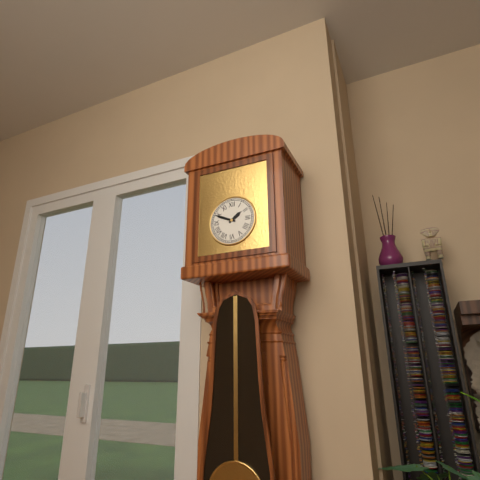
1:49
